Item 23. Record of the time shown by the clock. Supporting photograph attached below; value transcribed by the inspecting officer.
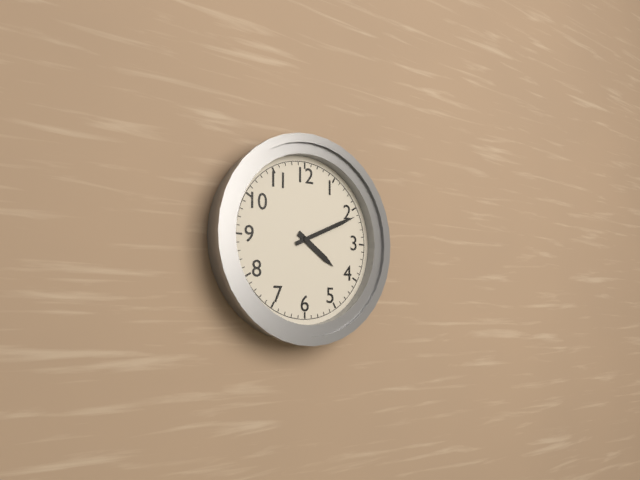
4:11
